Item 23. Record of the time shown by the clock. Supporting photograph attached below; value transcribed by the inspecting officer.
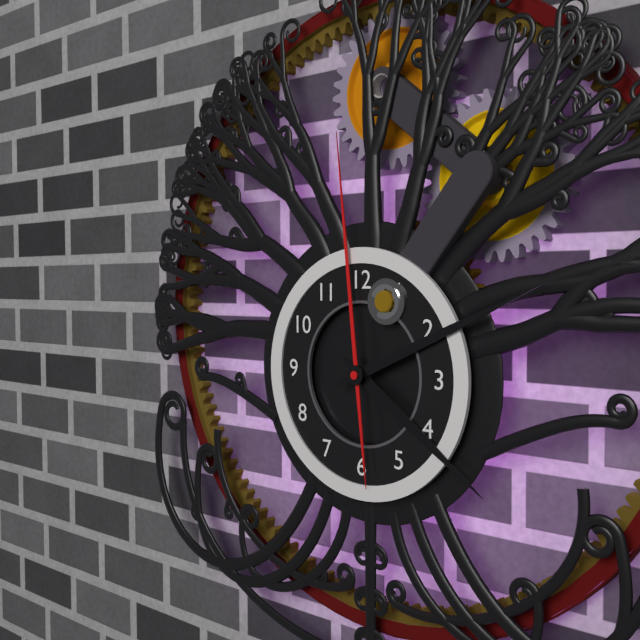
4:11:59
